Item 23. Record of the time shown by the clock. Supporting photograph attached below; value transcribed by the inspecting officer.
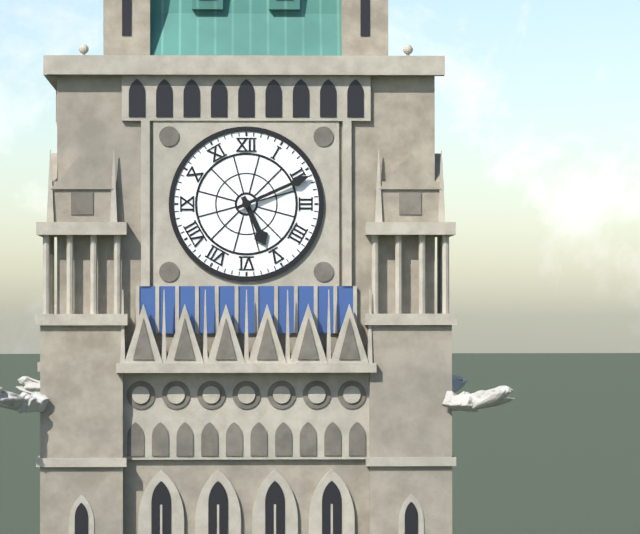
5:11
